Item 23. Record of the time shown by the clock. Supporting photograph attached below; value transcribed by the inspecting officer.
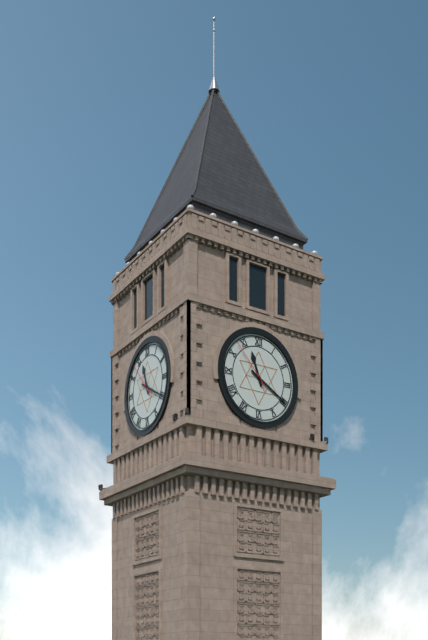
11:20:53
